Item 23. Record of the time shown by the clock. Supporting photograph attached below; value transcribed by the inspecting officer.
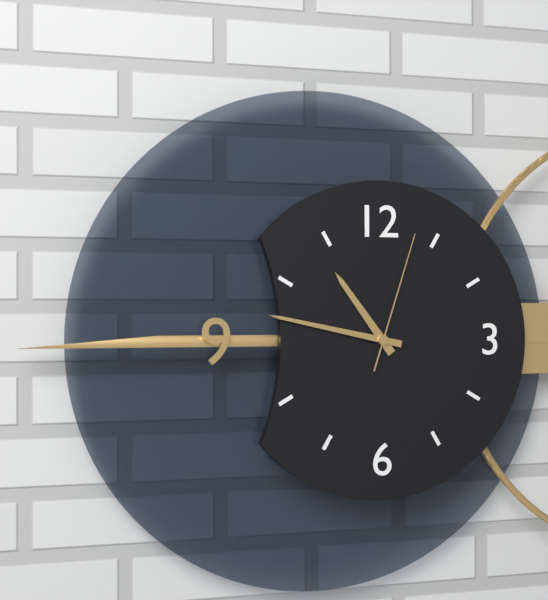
10:47:03
